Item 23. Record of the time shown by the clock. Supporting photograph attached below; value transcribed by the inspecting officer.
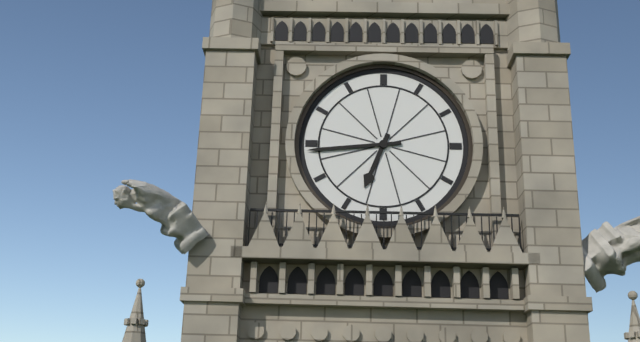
6:44
